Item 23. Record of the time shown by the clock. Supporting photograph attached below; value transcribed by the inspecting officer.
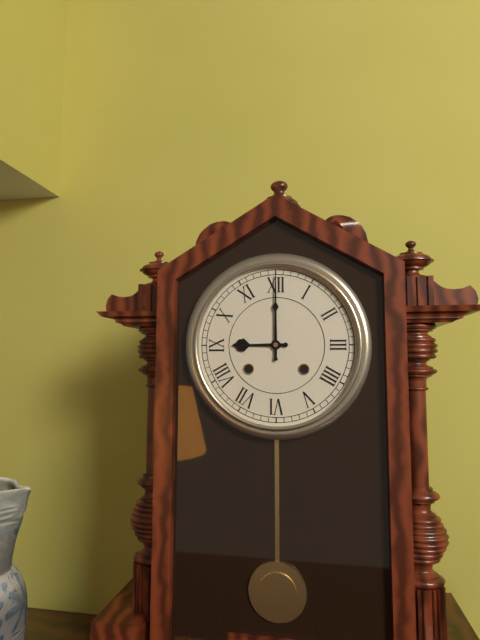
9:00
